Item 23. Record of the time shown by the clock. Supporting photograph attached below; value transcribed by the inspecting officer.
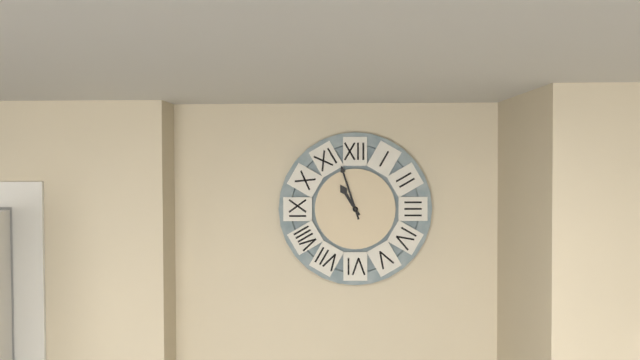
10:57
